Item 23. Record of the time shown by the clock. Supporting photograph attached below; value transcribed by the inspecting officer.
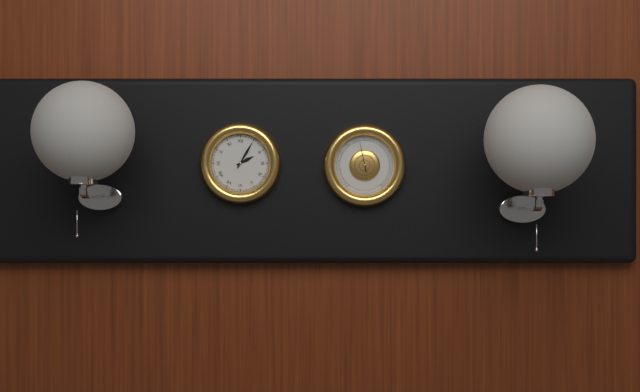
2:05
